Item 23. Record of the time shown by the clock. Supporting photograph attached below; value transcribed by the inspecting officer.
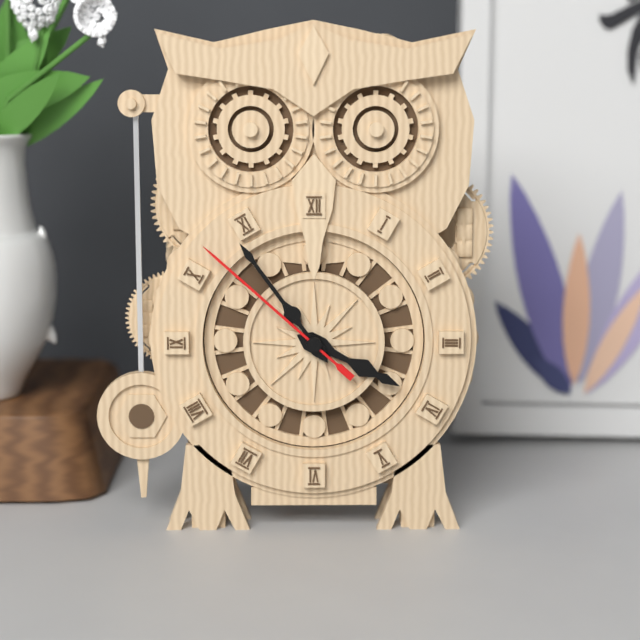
3:54:52
